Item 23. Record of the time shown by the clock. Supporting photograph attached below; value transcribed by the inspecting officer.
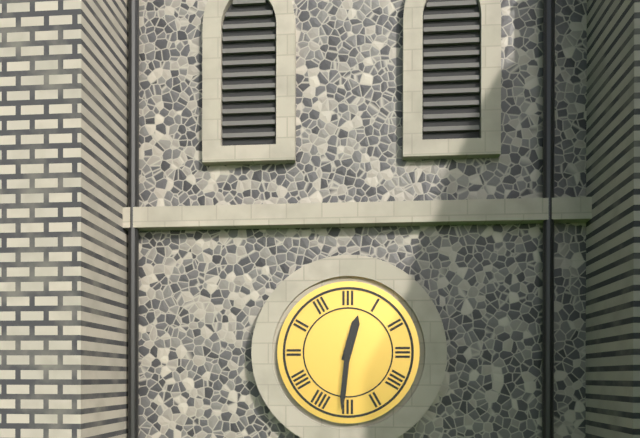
12:31
